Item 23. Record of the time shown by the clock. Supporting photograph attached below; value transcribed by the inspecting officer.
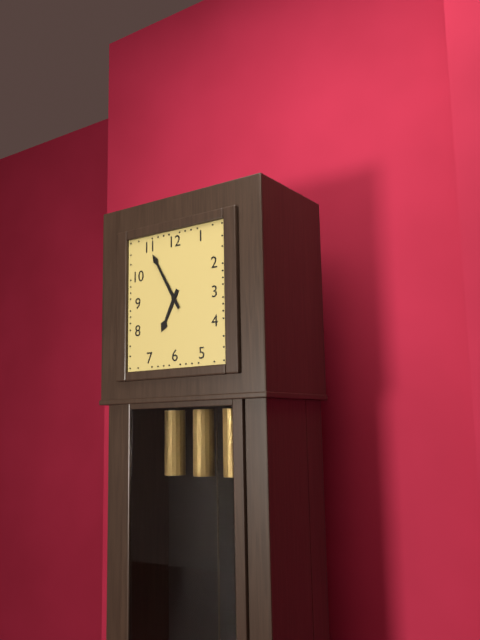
6:55
